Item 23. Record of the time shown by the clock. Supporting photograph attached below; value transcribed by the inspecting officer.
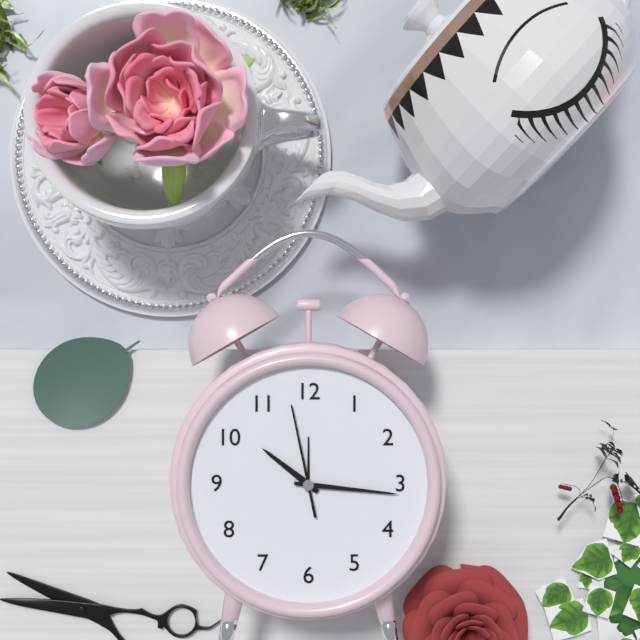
10:16:58
